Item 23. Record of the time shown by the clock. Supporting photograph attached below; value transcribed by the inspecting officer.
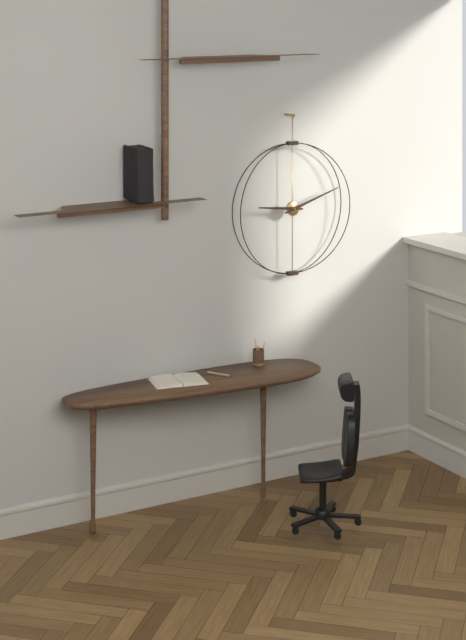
9:12
